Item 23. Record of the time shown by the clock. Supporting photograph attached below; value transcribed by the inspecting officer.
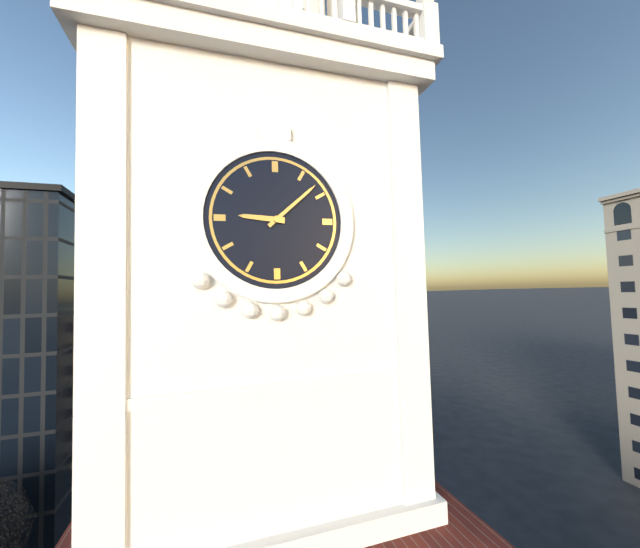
9:08
